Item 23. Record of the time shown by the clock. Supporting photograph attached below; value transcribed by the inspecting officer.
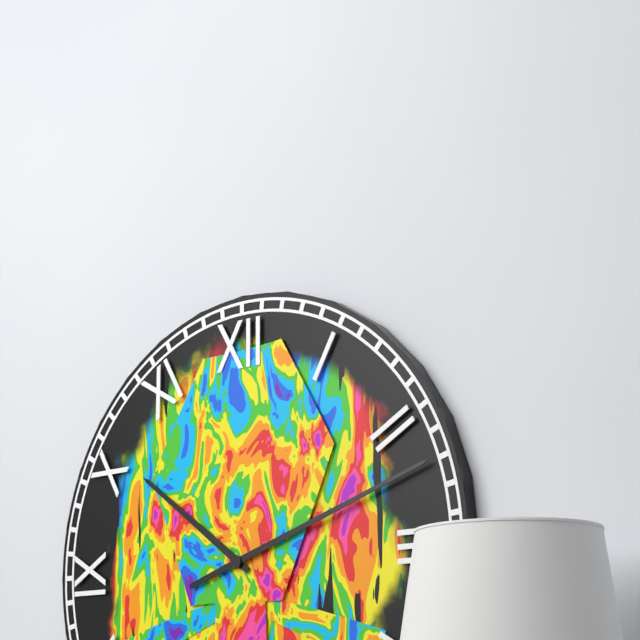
10:12
